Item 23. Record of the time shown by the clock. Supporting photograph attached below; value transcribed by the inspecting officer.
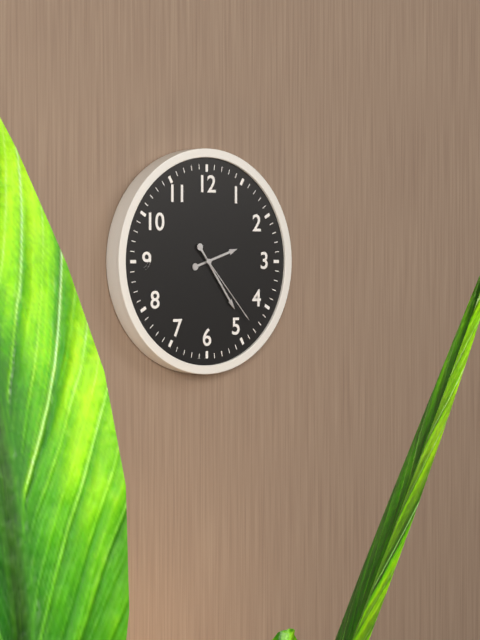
2:24:23
